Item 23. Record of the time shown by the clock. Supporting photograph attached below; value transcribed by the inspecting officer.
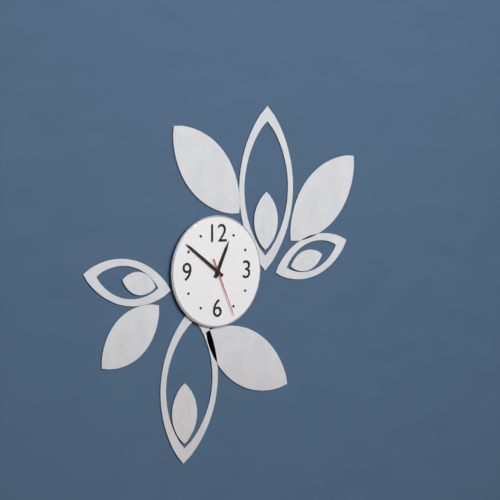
12:51:26
